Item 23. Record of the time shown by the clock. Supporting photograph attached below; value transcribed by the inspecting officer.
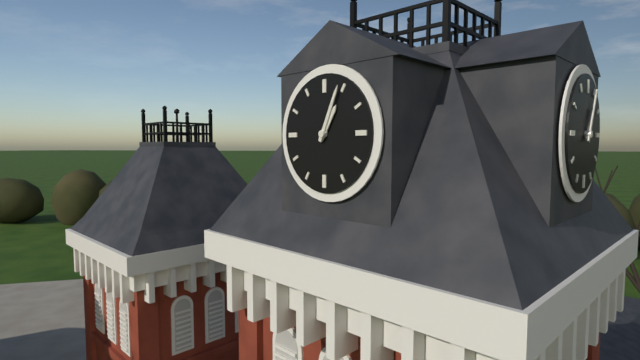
1:04
